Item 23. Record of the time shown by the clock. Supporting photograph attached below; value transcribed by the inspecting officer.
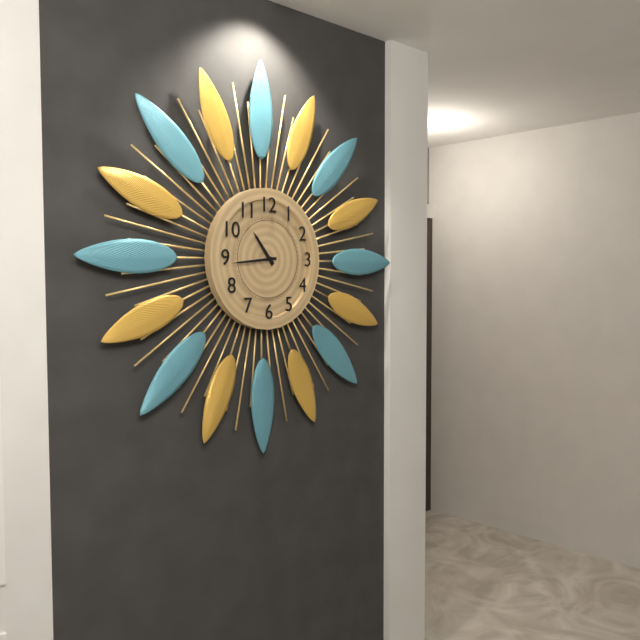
10:44
